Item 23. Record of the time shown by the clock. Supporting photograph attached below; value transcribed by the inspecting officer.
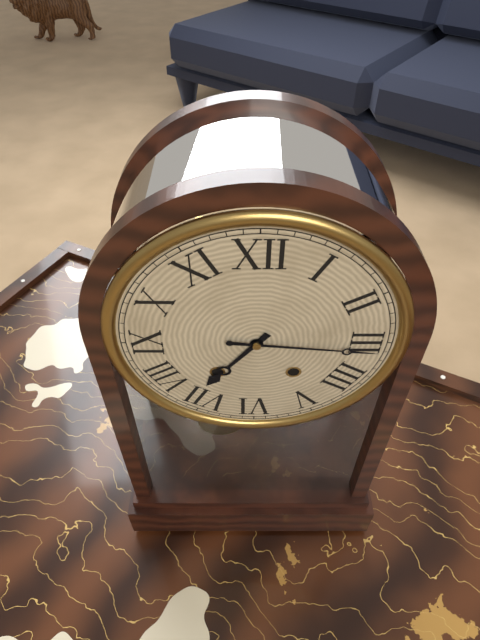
7:16
